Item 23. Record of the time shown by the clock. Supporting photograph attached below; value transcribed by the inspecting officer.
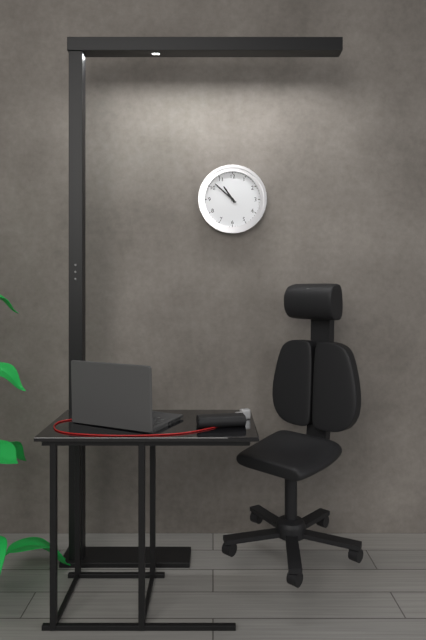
10:52
